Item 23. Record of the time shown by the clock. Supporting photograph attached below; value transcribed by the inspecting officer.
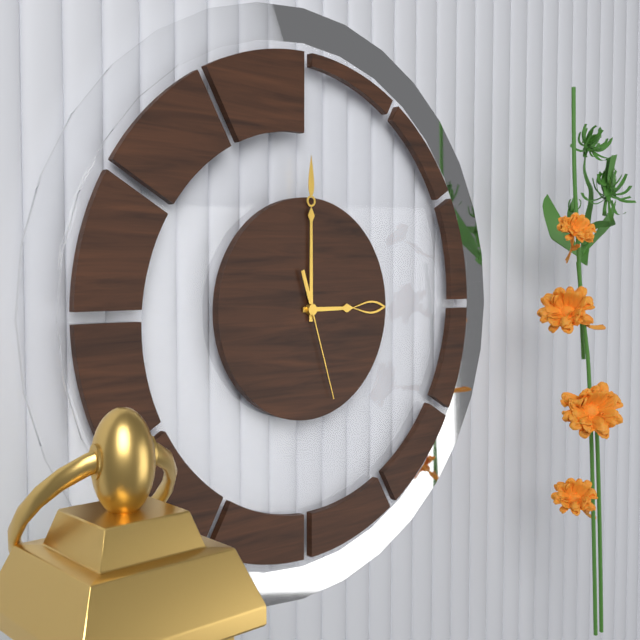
3:00:27
